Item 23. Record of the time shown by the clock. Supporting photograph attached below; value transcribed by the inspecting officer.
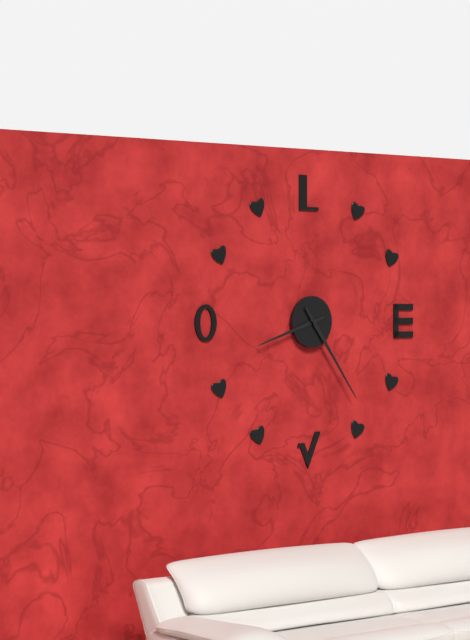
8:24
